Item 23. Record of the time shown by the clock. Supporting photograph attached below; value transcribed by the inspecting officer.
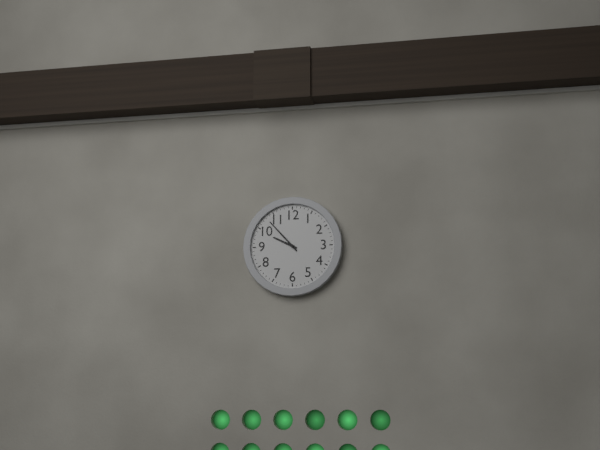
9:53
